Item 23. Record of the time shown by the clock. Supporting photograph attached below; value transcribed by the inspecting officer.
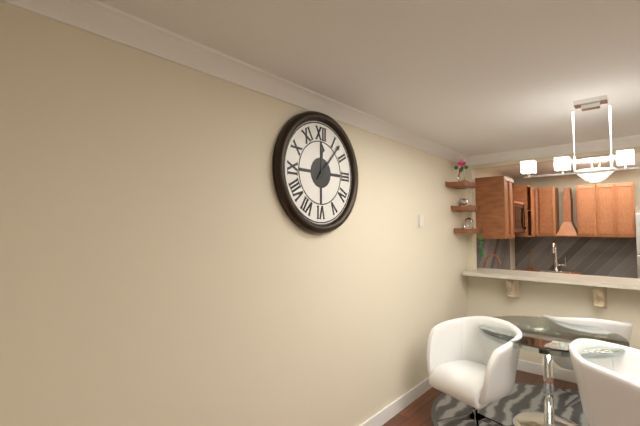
12:07
